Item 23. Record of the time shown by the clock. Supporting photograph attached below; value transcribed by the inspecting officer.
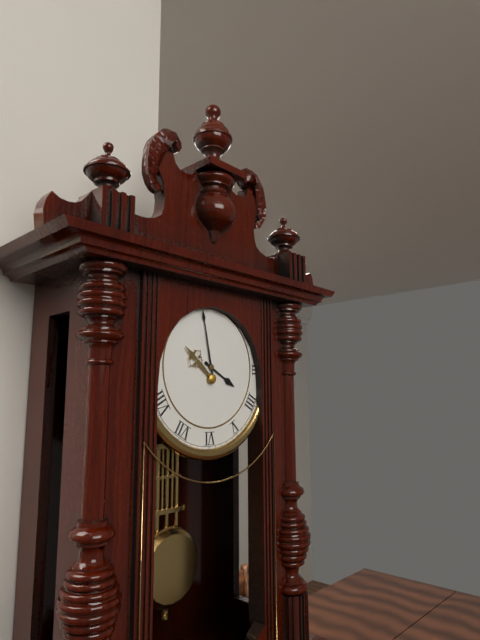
3:58
